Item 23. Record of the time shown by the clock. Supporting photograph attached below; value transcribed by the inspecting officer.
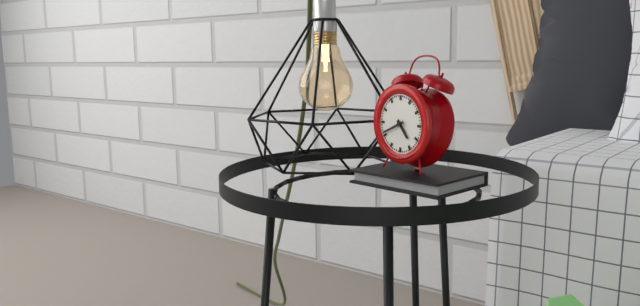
4:41
